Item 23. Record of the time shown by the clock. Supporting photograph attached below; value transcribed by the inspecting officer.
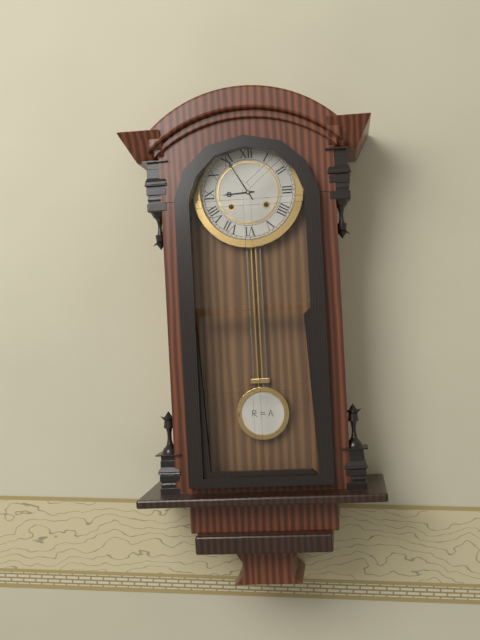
8:55
